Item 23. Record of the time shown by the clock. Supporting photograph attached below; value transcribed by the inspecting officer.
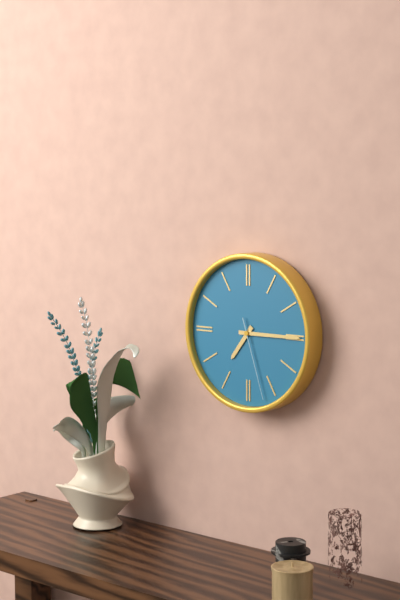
7:15:27
